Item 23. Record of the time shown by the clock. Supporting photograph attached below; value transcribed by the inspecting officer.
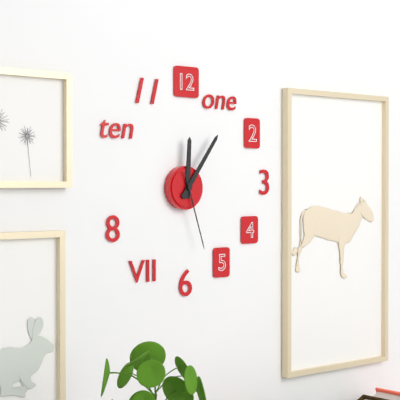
12:06:27
